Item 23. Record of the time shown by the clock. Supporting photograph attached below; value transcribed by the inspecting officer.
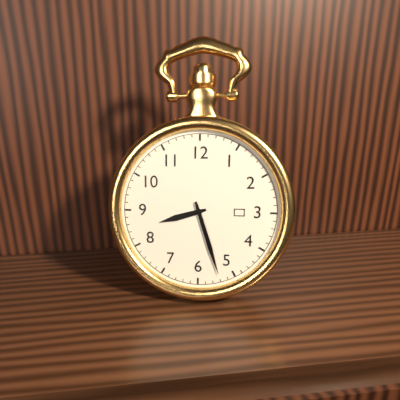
8:27
